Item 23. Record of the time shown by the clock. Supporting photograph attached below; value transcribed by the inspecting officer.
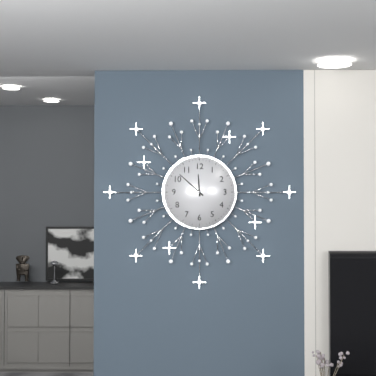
11:52
